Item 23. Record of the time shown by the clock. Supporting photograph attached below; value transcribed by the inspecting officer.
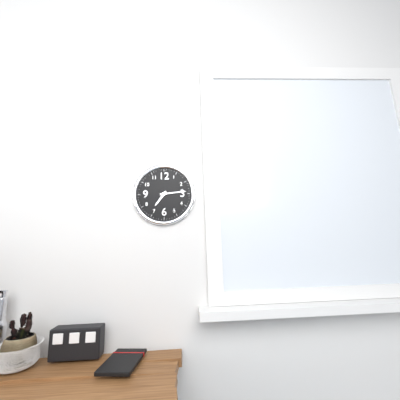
7:14
